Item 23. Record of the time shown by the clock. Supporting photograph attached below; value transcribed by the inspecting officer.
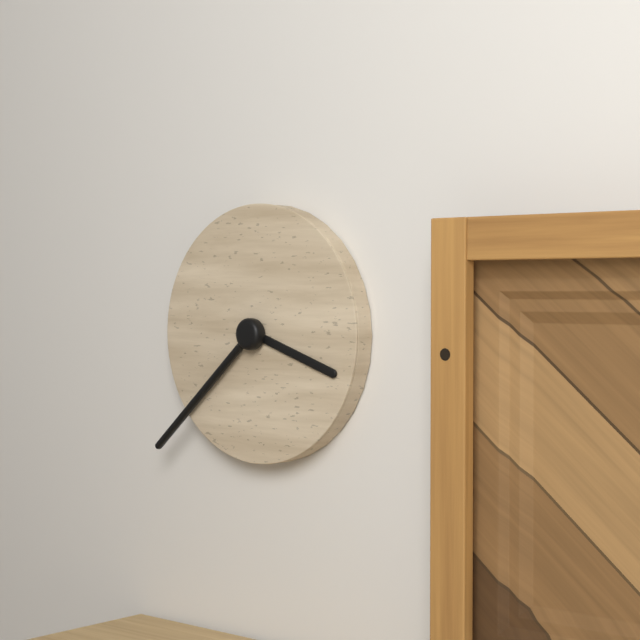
3:38
